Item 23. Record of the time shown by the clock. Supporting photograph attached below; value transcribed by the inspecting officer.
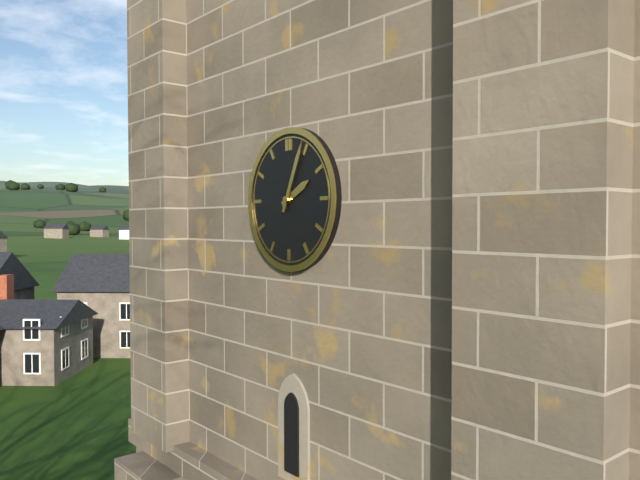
2:04
